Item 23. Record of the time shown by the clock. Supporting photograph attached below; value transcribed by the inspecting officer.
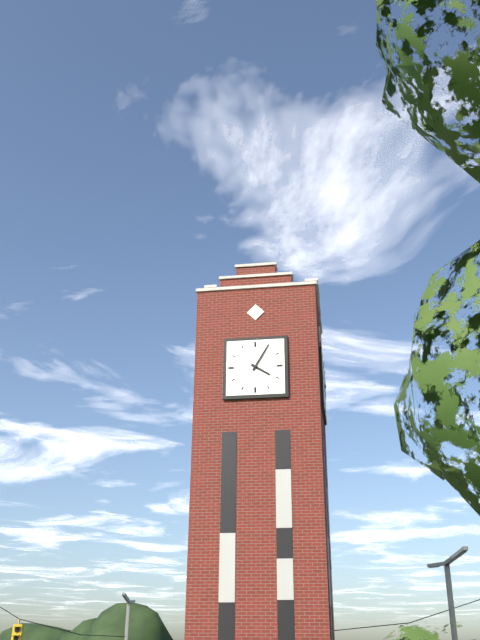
4:05
